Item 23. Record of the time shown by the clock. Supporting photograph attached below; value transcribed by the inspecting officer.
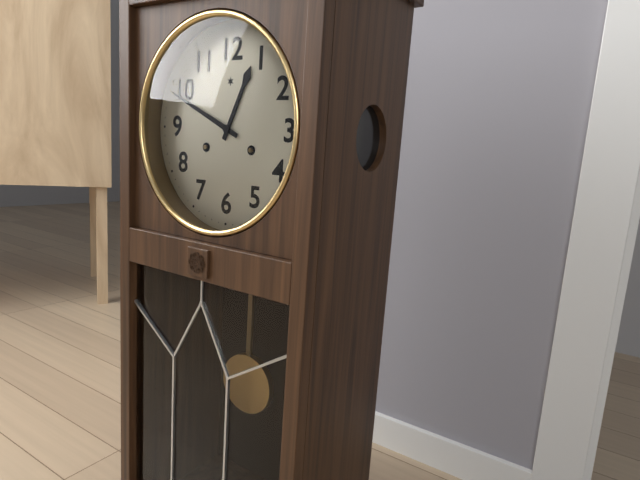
12:49
